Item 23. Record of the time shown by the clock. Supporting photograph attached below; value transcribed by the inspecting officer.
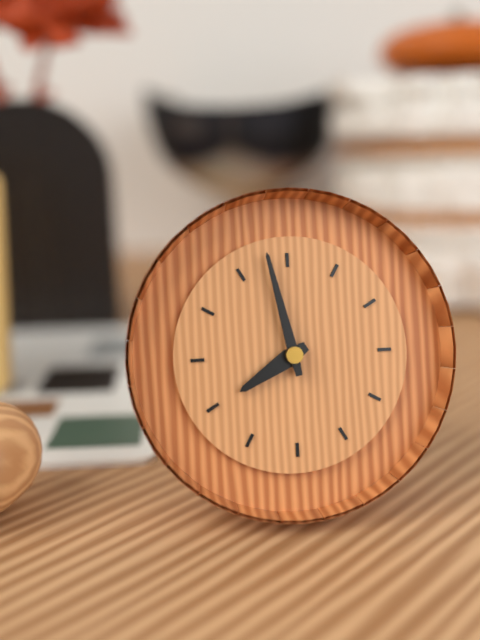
7:58
